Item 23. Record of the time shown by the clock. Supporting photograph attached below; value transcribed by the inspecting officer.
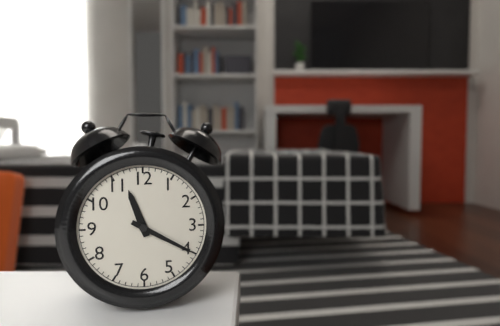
11:20
